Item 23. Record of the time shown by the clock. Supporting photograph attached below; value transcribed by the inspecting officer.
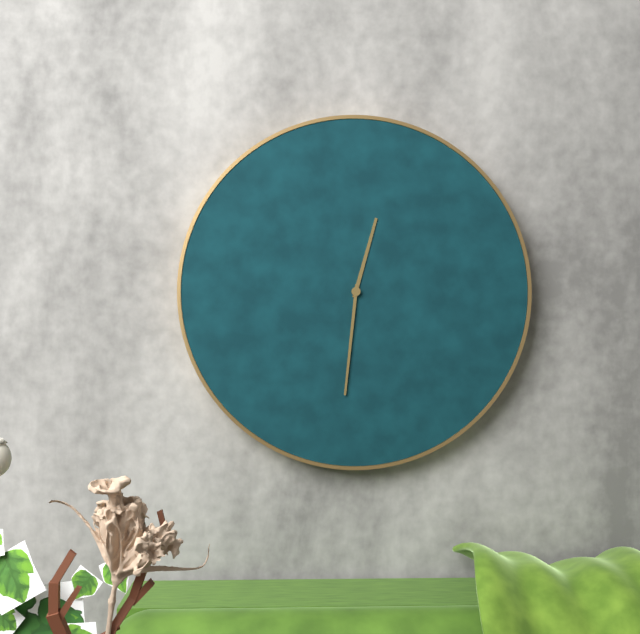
12:31
